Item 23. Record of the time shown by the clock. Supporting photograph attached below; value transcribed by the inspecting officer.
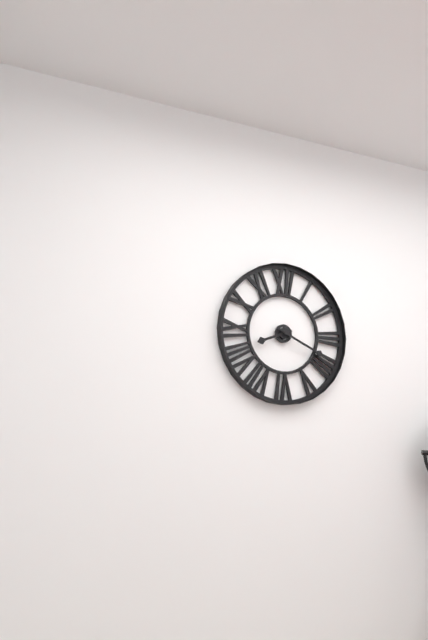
8:19
